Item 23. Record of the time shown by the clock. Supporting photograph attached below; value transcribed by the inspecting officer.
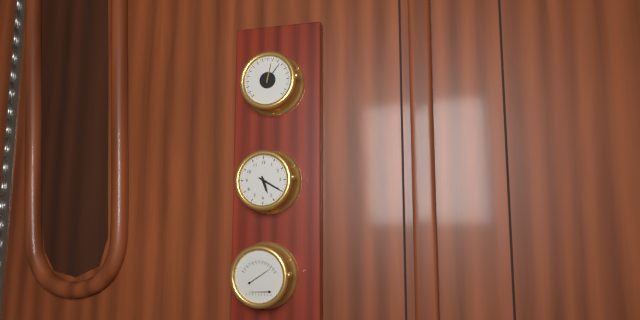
5:20
